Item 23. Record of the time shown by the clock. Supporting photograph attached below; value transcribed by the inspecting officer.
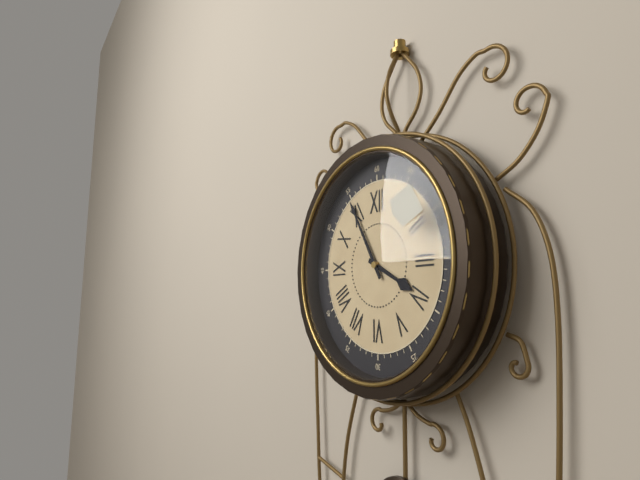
3:55
